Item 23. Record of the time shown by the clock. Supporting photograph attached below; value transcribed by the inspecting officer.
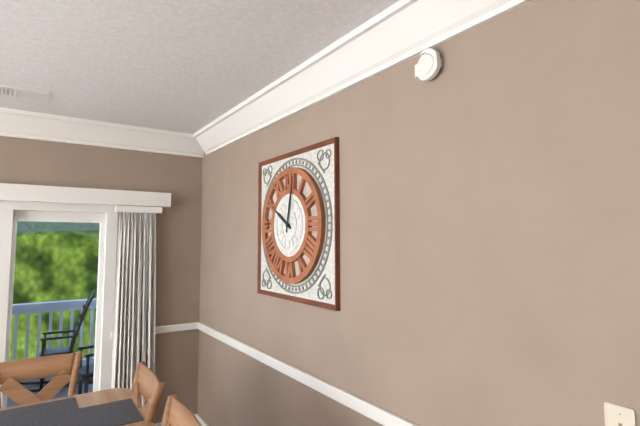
10:02
